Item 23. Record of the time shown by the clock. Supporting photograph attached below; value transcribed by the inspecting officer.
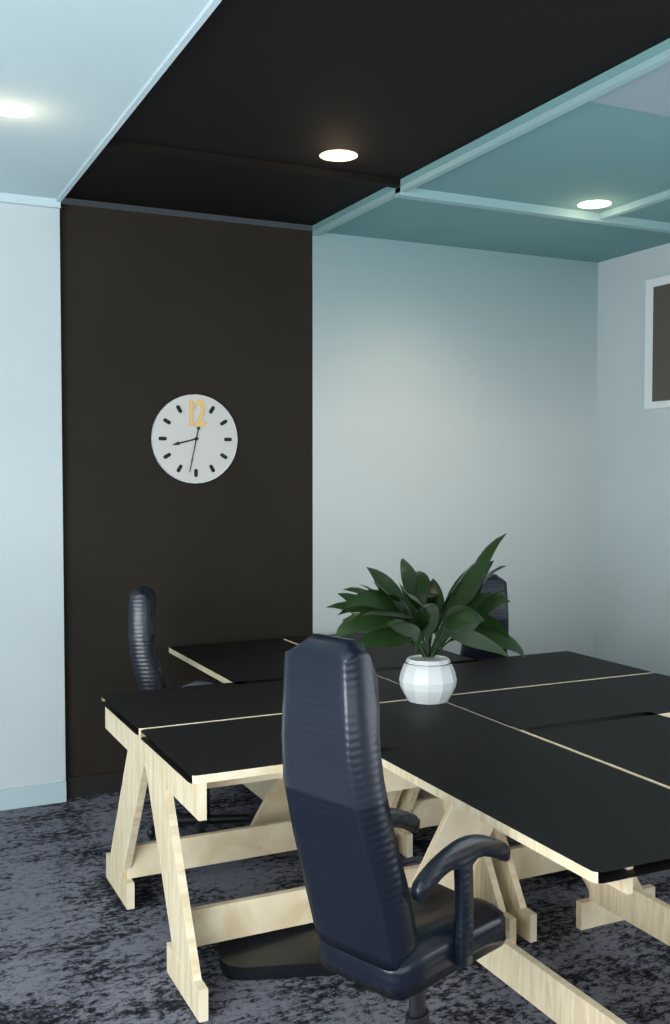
8:32
